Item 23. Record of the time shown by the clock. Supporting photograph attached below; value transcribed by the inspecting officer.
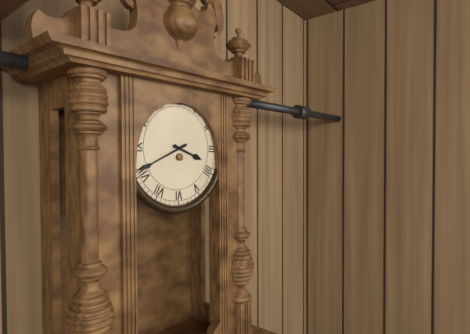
3:41
